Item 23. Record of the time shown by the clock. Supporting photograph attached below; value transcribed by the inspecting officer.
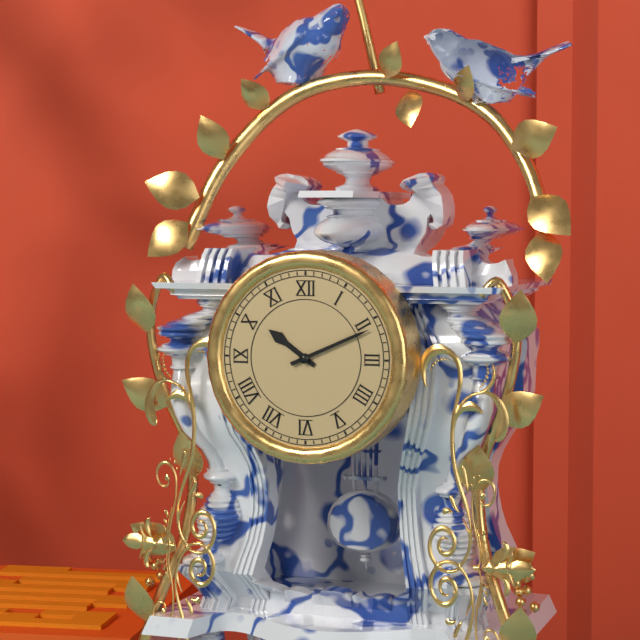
10:11
